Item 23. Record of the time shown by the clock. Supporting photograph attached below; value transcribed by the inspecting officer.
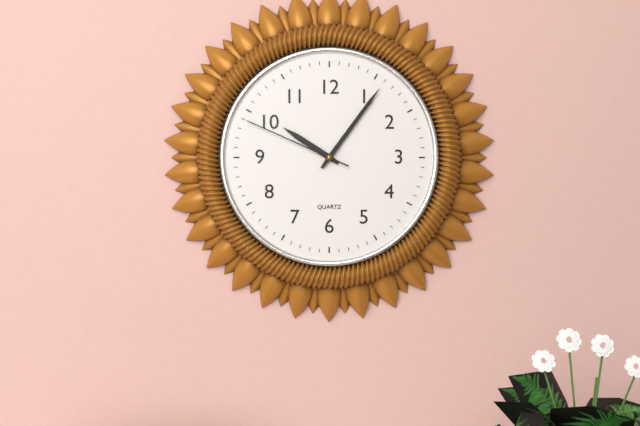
10:06:49
